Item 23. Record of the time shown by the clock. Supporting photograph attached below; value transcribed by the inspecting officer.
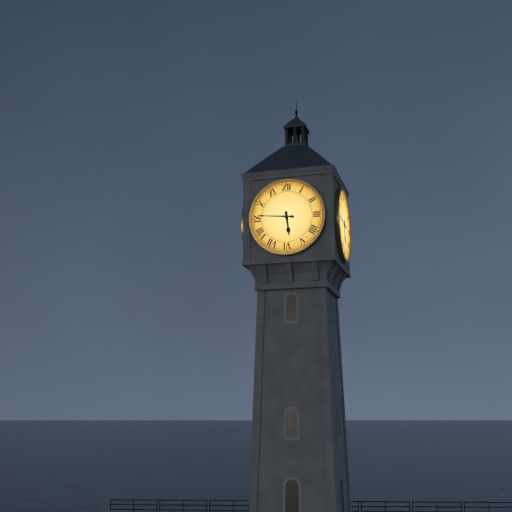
5:46
